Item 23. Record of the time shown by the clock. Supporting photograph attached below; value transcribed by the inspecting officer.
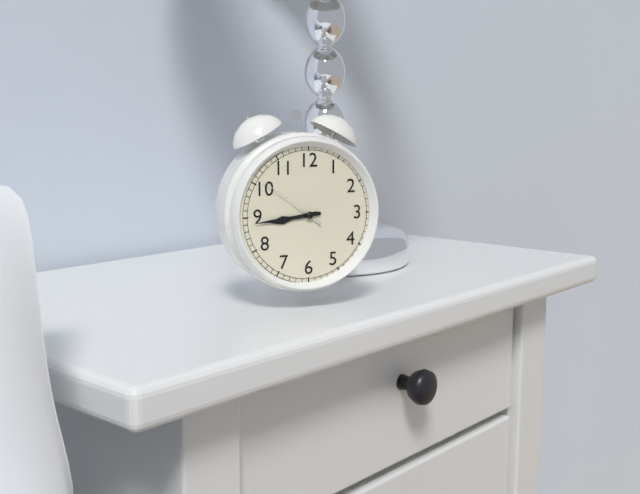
8:44:51
